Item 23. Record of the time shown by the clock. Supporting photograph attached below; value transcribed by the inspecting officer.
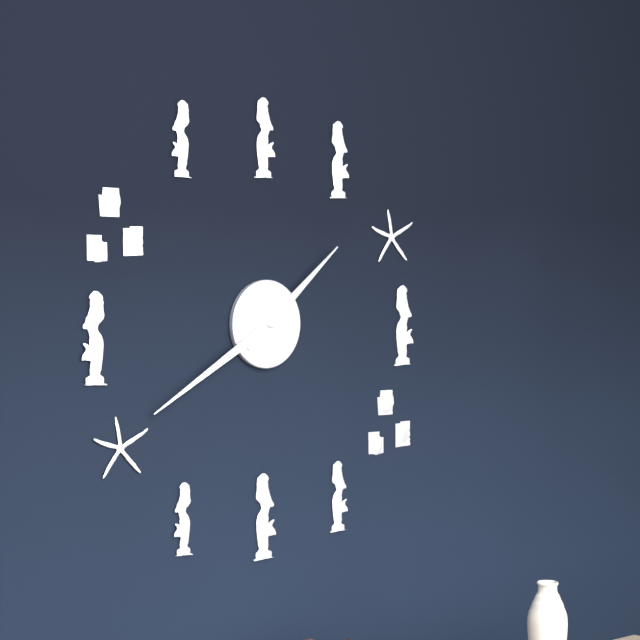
1:40
